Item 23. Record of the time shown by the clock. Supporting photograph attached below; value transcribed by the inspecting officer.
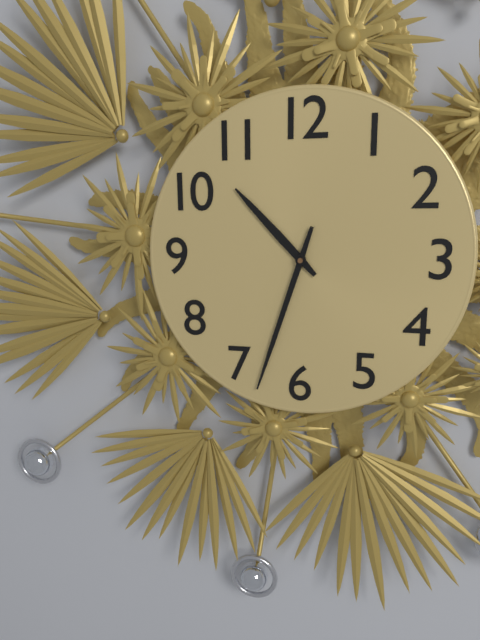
10:33
